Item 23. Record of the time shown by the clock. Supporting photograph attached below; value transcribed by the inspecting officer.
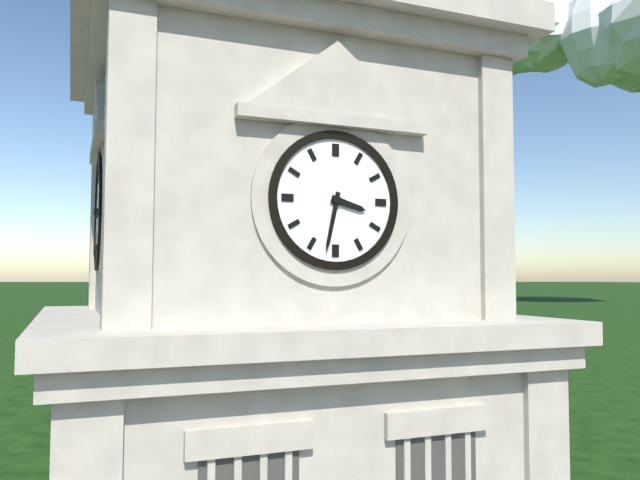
3:32
